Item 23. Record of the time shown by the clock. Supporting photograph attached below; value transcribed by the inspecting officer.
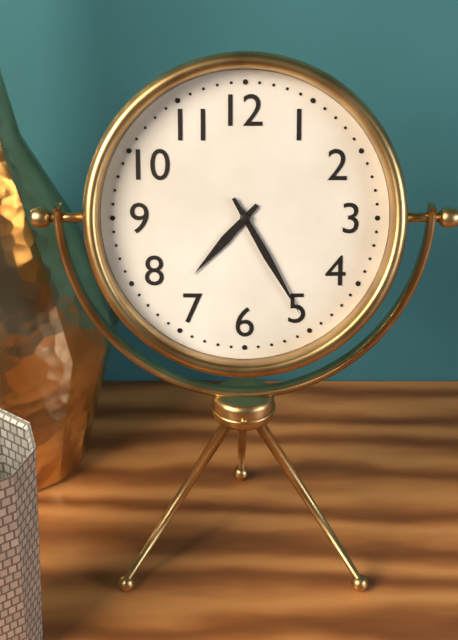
7:25
